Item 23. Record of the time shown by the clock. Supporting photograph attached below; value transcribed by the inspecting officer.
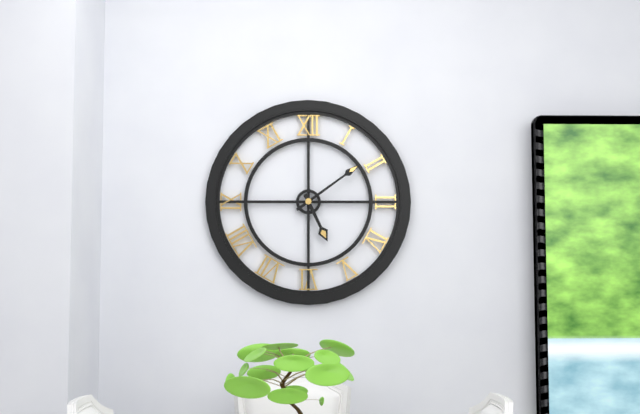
5:09
